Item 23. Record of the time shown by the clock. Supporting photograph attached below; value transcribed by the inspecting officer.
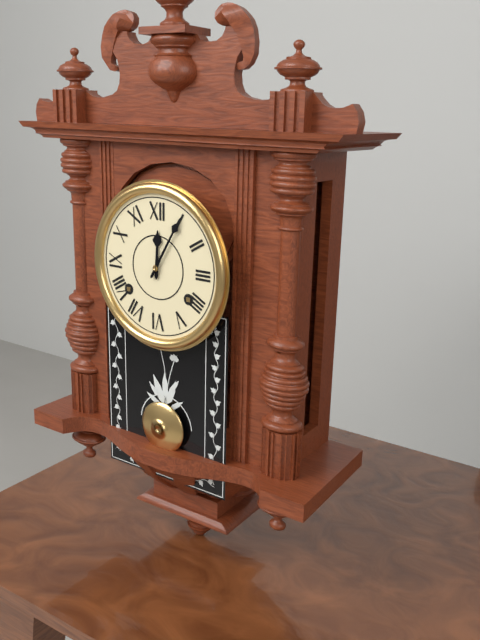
12:05
